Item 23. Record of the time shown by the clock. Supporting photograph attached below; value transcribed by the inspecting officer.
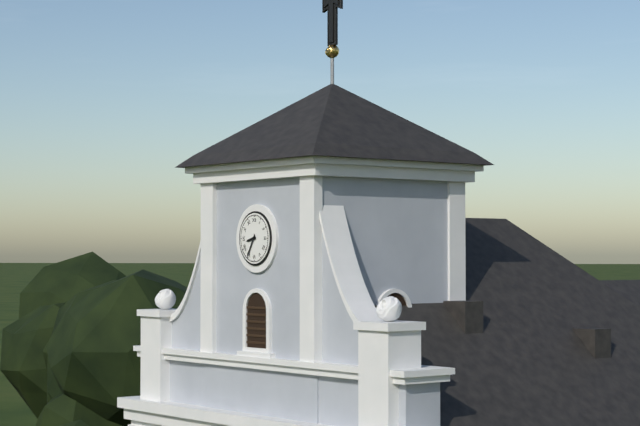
8:35
